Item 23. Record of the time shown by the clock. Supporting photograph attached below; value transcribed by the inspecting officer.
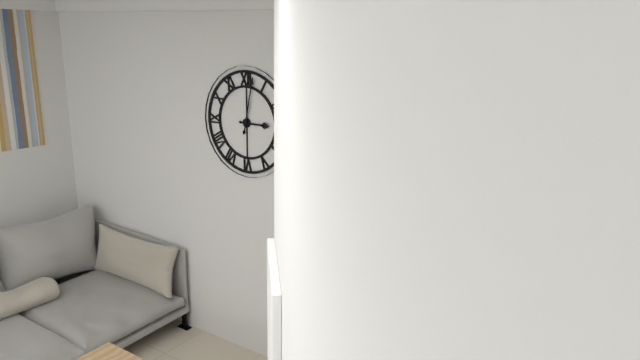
3:02
